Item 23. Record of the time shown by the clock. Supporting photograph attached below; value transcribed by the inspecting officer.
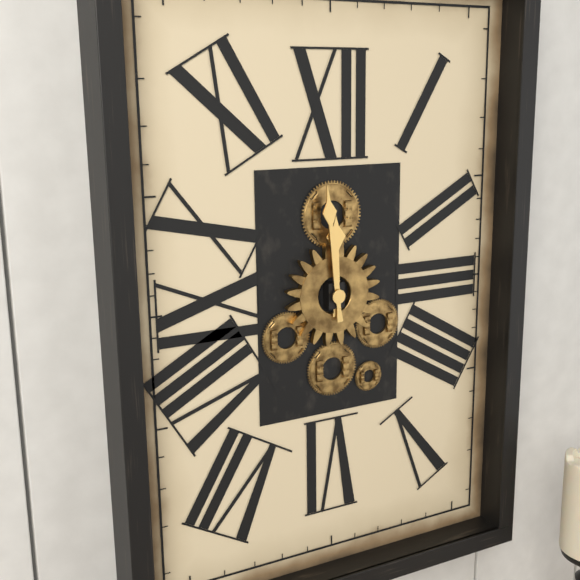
11:59
